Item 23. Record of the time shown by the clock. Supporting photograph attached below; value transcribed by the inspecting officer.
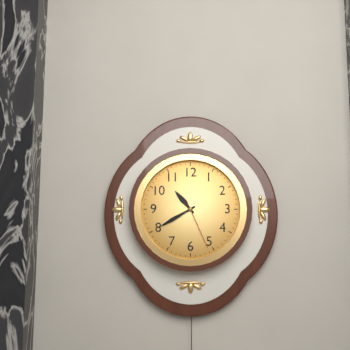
10:40:26
